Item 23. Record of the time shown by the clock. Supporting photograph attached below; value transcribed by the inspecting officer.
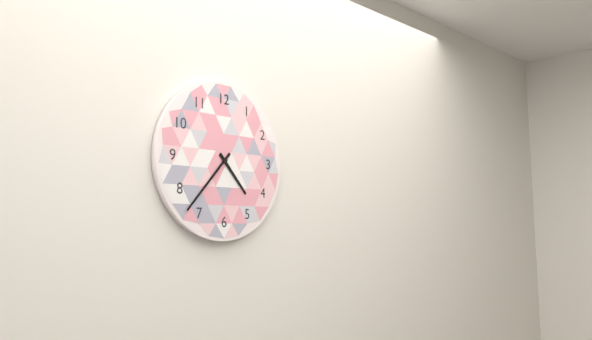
4:37
